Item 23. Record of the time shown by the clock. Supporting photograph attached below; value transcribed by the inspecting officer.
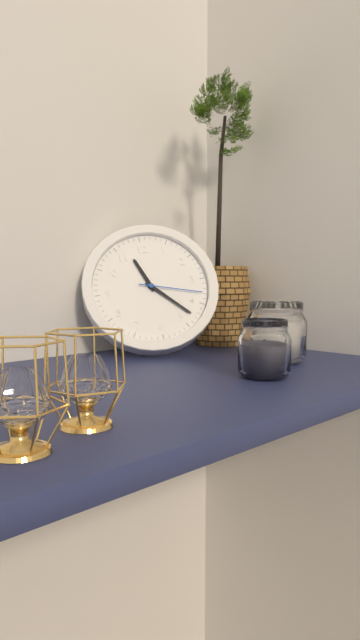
11:23:18
